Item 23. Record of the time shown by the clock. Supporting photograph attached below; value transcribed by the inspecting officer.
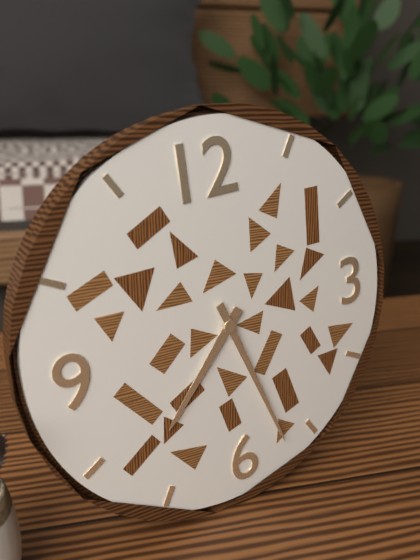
7:27
